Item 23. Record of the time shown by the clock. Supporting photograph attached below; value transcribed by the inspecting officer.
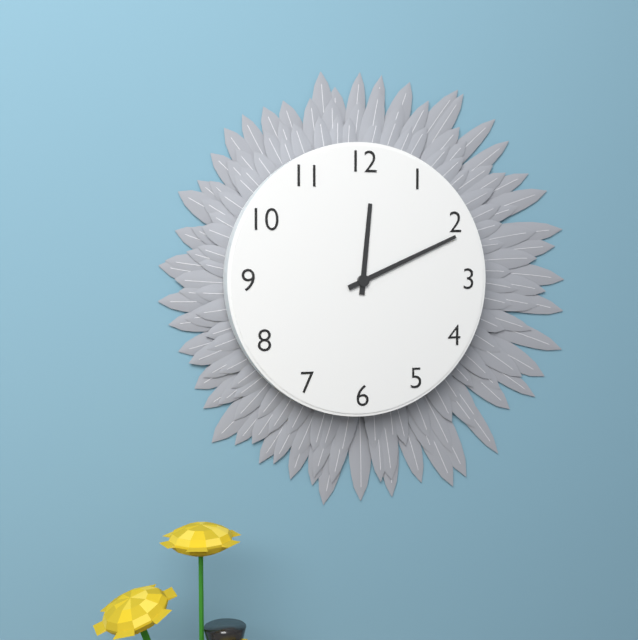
12:11
